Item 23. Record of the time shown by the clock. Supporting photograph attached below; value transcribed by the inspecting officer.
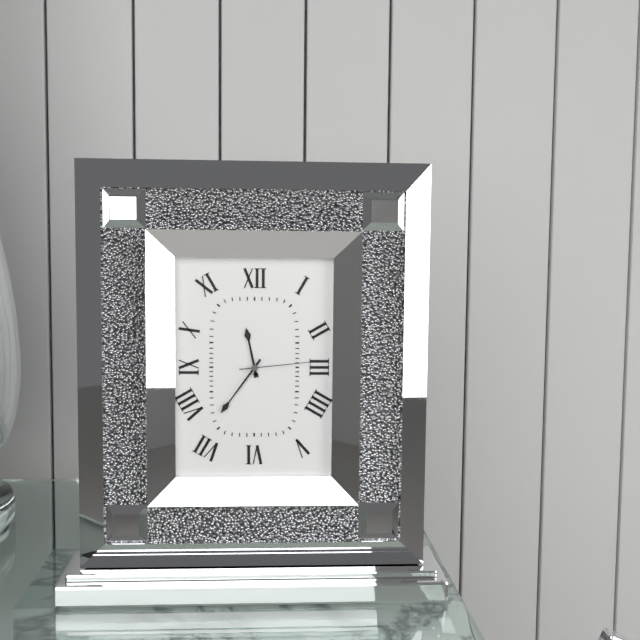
11:36:14
